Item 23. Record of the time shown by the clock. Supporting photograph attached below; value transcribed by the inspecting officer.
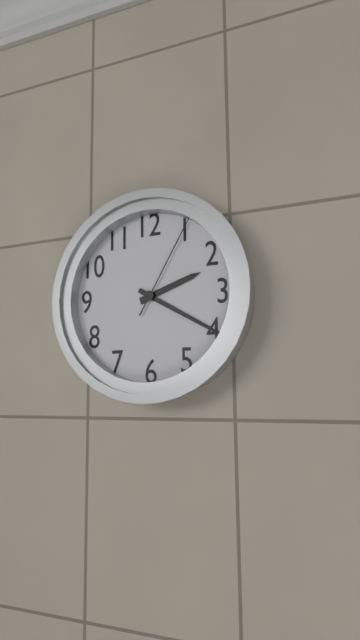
2:20:05
